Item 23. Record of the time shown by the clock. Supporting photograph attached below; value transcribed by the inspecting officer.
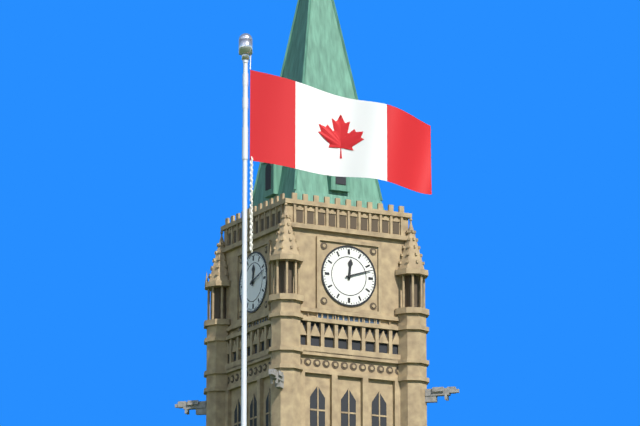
12:12
